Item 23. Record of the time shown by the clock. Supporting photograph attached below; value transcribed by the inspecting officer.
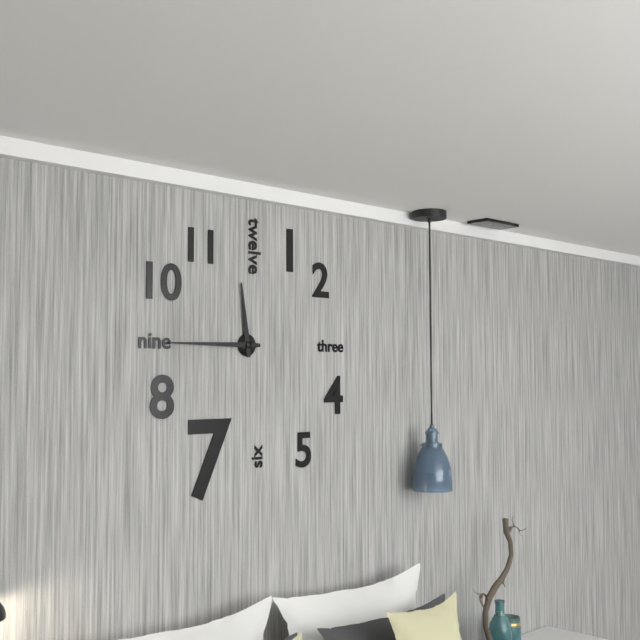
11:45
